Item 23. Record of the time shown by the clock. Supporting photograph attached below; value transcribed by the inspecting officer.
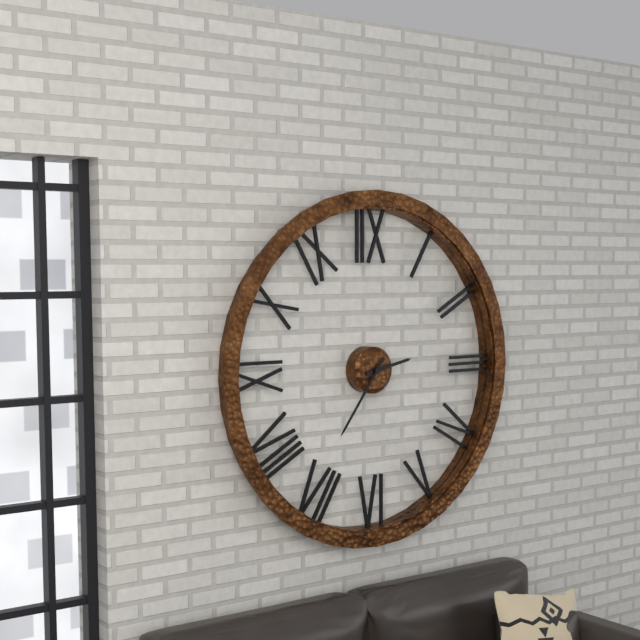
2:36
